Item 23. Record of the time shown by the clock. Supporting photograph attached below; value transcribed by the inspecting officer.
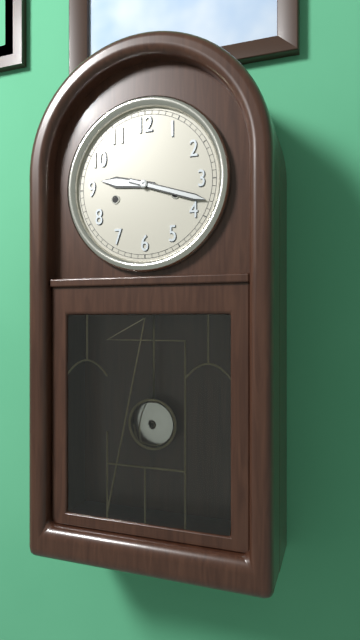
9:18
